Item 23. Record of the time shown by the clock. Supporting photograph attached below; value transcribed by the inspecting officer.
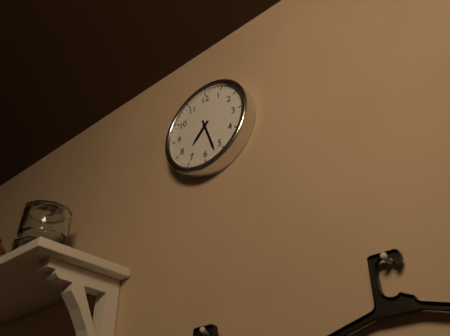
7:27
